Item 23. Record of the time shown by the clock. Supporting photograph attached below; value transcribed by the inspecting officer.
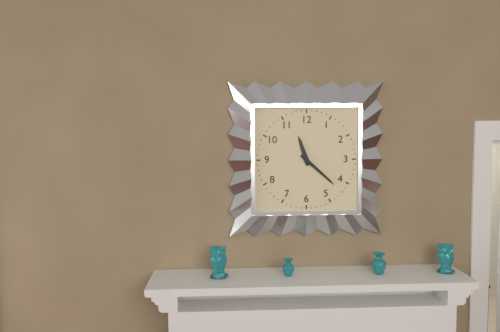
11:22
